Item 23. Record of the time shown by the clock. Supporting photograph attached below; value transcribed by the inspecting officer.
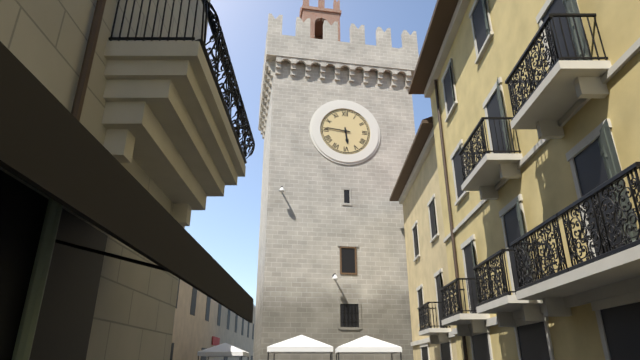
5:46
